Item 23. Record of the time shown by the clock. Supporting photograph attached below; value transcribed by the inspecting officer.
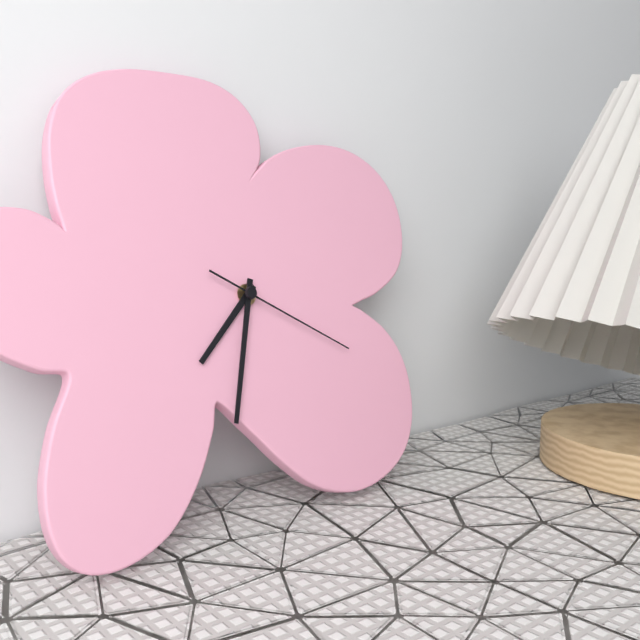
7:33:20
